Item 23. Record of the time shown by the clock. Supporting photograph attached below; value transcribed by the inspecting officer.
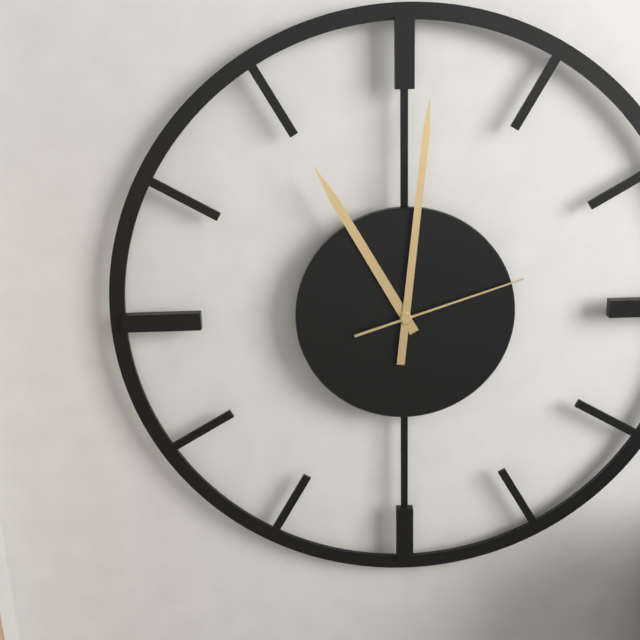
11:01:12
